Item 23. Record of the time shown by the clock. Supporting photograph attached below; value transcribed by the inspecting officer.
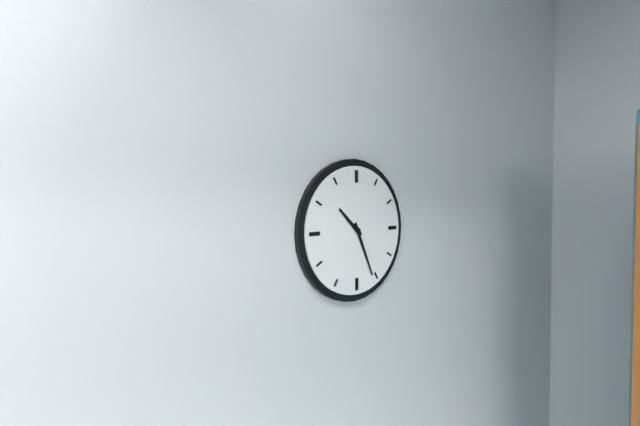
10:26
